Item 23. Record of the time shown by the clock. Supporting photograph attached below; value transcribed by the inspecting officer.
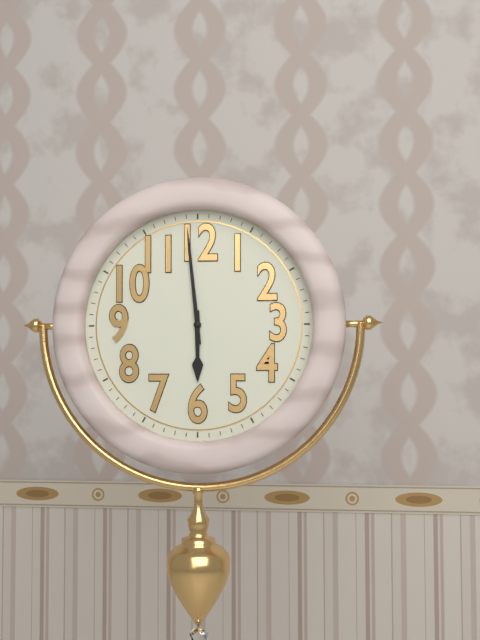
5:59
